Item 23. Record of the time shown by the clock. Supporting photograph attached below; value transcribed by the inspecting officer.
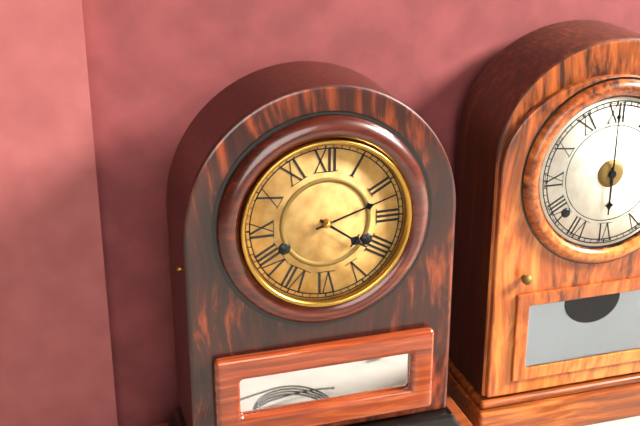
4:12
